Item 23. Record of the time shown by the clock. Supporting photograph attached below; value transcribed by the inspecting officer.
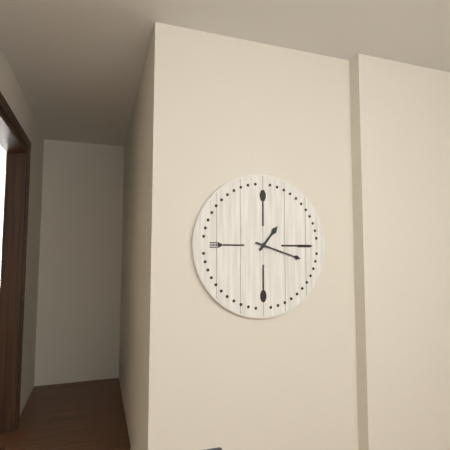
1:18
